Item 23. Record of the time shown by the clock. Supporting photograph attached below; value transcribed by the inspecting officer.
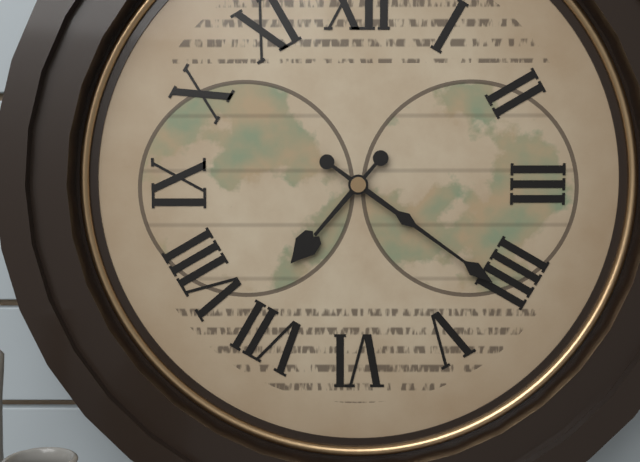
7:21
